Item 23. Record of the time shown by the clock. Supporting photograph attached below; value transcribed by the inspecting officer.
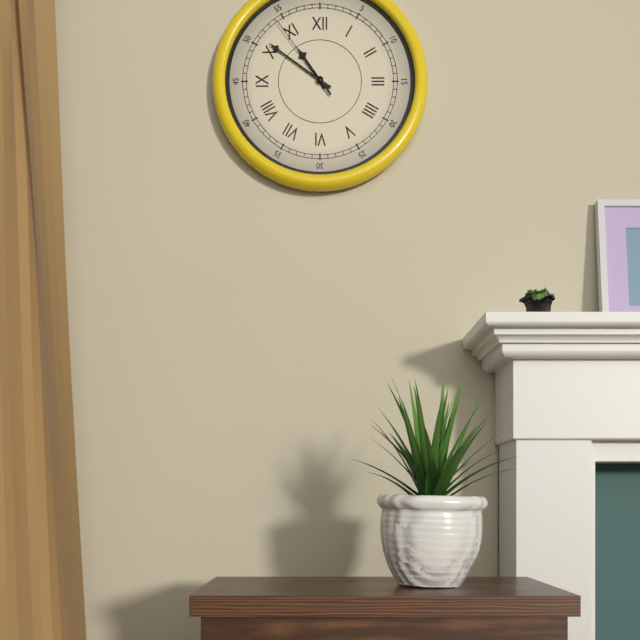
10:51:54
